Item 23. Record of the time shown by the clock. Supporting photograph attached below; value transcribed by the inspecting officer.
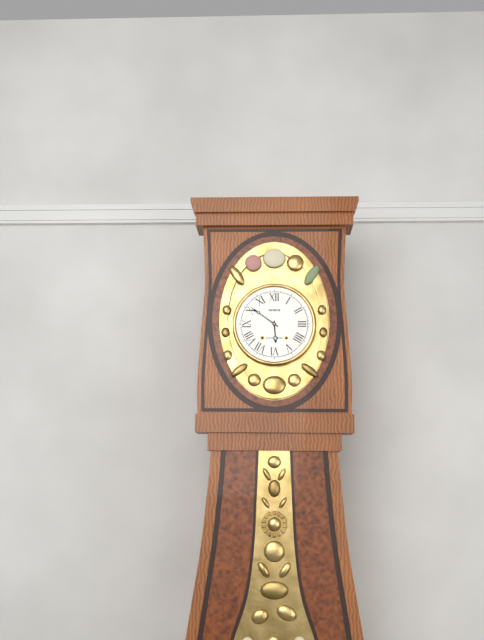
5:51
